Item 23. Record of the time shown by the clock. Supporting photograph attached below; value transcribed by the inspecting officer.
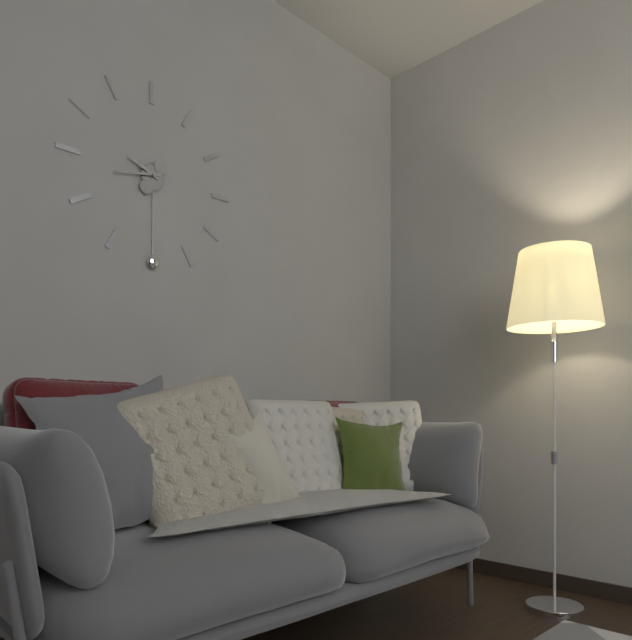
9:43
